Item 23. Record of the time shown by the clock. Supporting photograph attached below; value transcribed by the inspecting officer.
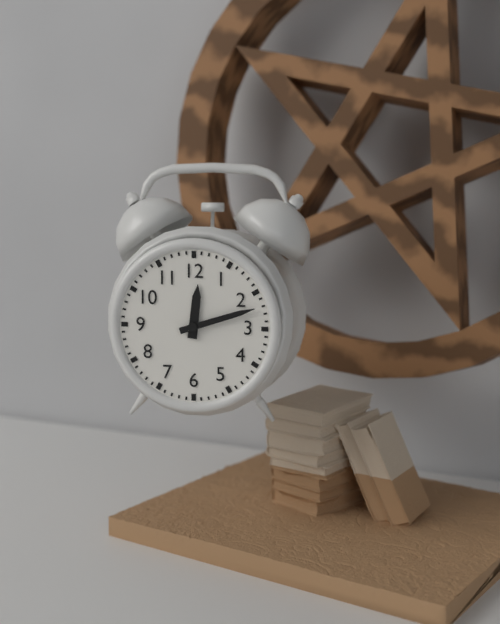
12:12
